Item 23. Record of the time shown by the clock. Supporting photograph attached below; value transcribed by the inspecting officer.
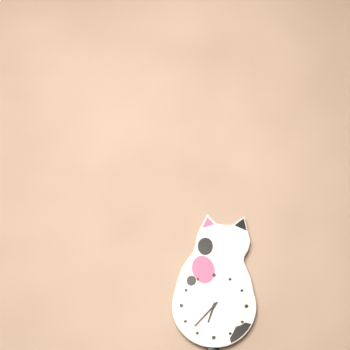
6:37
